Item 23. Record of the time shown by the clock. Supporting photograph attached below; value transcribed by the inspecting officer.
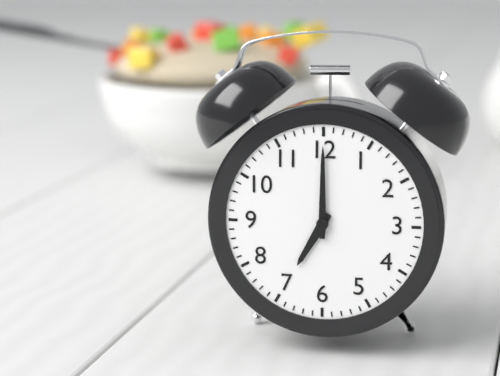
7:00
